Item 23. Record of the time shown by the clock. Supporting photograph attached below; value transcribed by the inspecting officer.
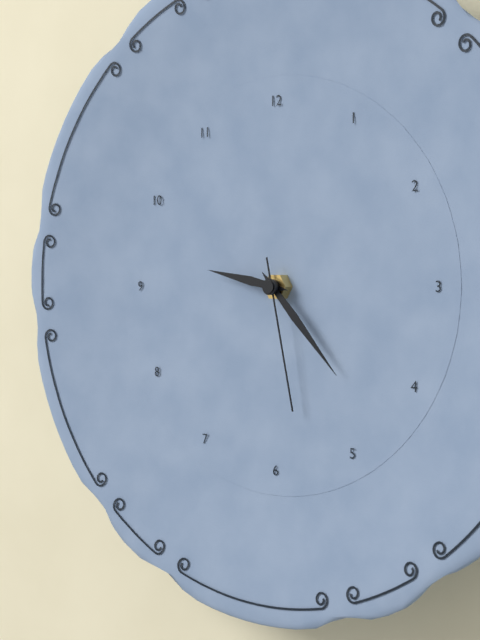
9:23:28
